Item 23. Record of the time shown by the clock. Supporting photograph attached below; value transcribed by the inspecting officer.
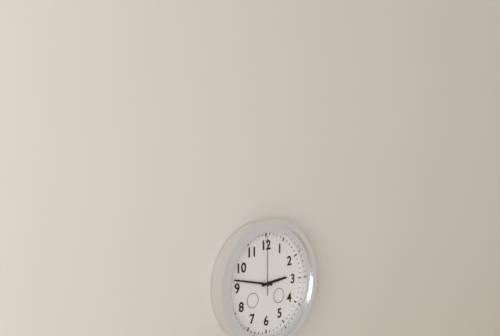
2:47:00
